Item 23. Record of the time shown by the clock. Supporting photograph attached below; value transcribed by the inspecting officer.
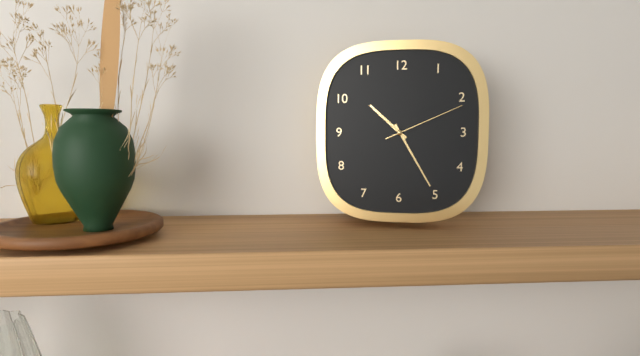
10:25:11
